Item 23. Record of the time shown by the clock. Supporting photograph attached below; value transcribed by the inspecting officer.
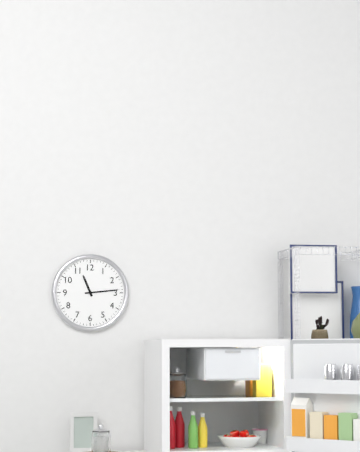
11:14
